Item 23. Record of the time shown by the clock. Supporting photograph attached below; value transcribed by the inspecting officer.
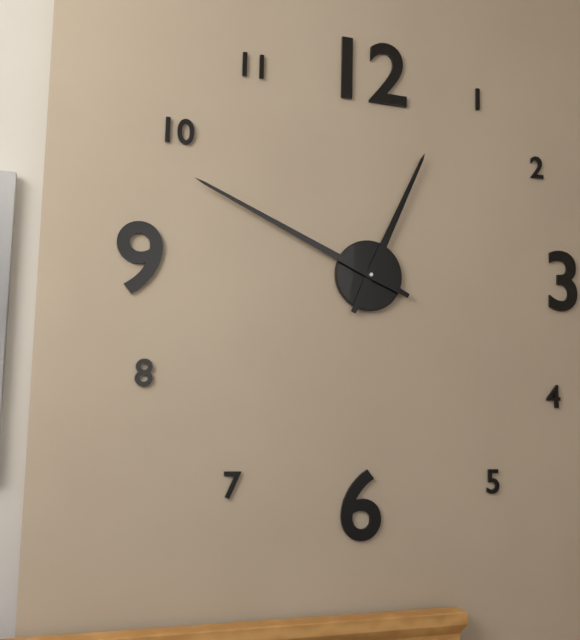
12:49
